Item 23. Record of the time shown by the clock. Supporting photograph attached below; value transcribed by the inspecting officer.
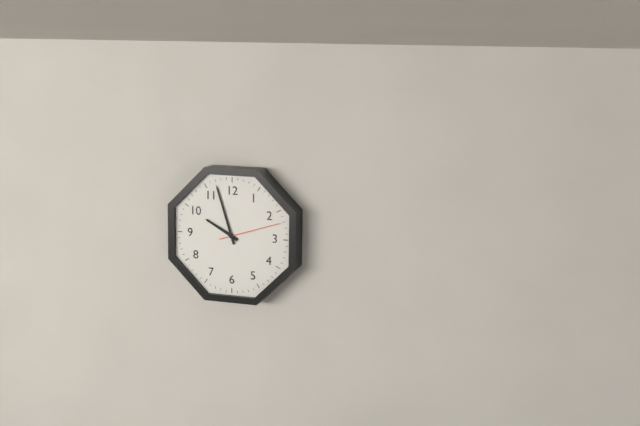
9:57:12
